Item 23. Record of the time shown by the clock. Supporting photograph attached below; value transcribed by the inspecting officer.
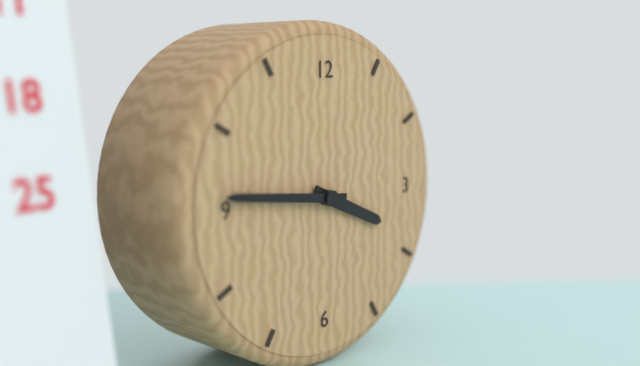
3:46
